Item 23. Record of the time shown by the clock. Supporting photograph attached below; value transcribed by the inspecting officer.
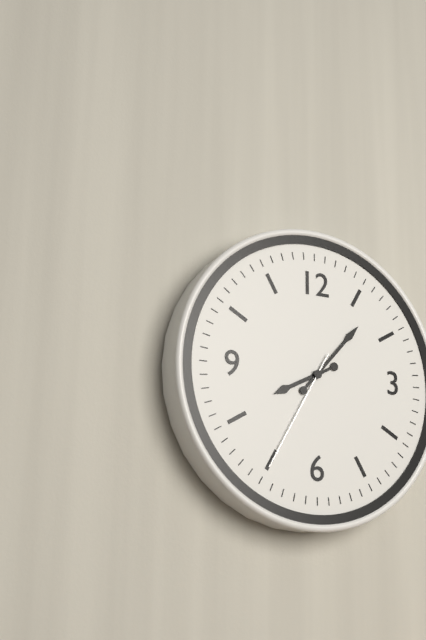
8:07:35
